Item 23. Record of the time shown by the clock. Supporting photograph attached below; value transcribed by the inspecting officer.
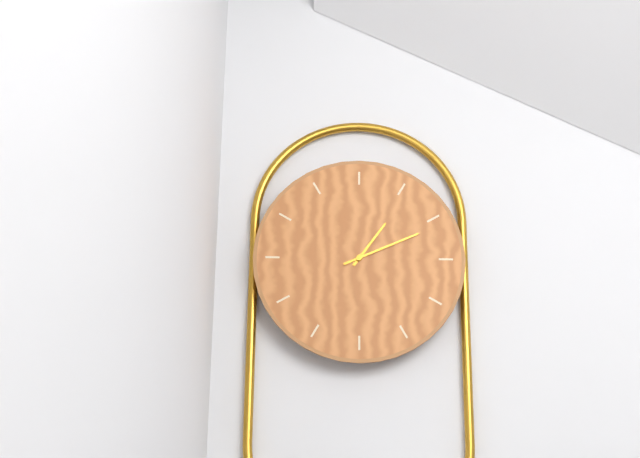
1:11
